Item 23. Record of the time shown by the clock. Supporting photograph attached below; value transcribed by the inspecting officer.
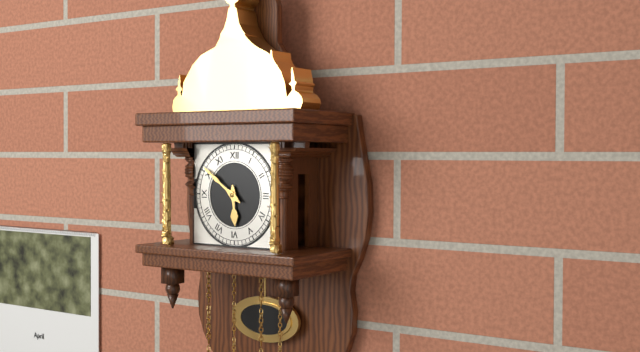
5:51
